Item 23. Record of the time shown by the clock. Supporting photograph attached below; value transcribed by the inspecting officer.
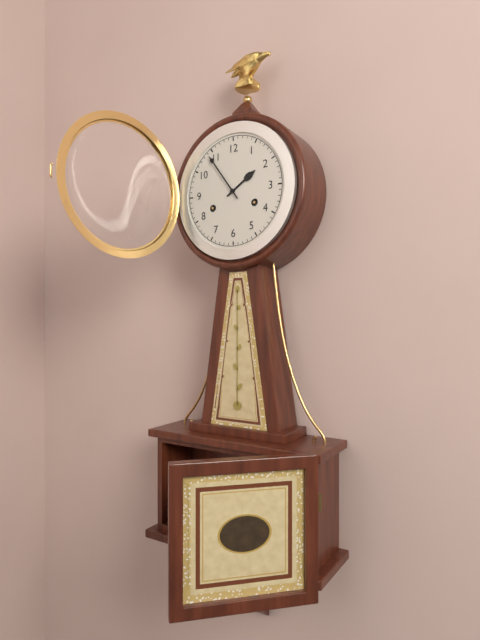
1:54
